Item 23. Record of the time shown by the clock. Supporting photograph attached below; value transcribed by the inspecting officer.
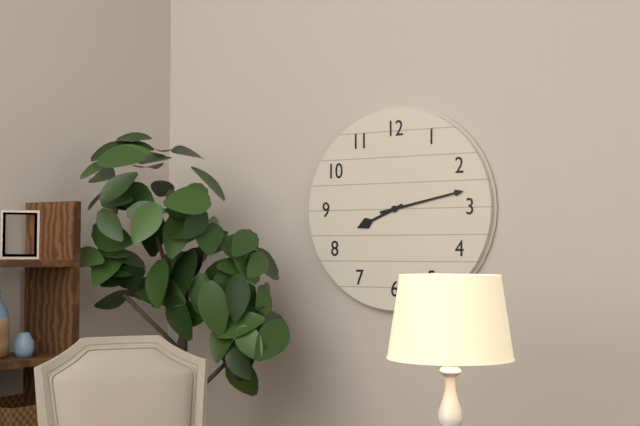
8:13
